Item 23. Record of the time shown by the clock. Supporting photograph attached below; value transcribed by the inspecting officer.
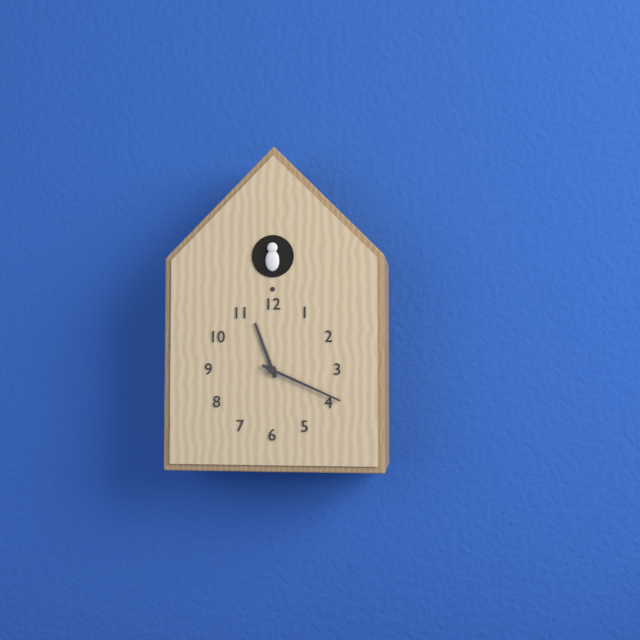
11:19
